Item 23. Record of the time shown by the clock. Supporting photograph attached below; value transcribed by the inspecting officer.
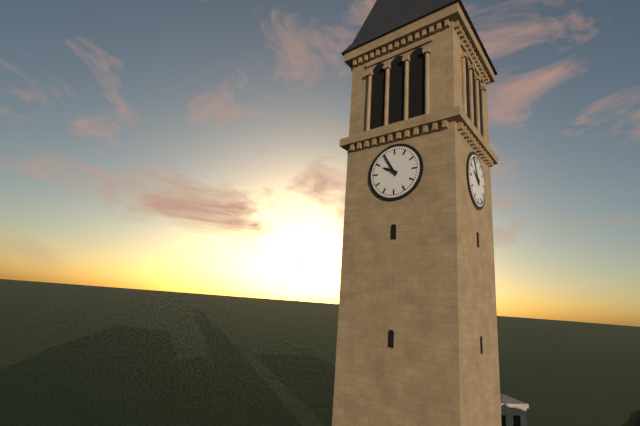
9:55
